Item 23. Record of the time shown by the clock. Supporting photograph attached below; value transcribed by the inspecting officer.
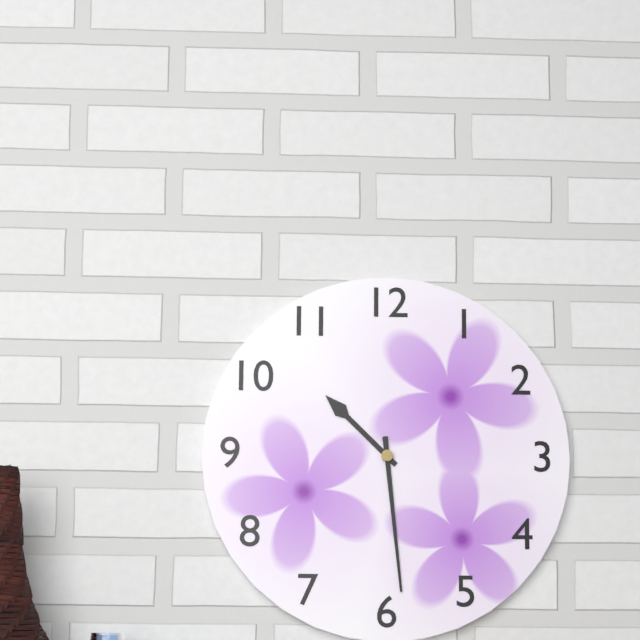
10:29
